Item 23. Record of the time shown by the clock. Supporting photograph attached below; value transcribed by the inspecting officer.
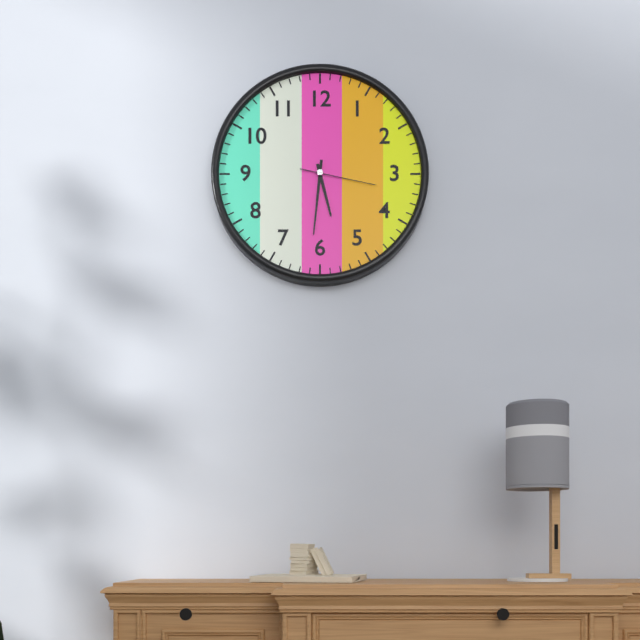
5:31:17
